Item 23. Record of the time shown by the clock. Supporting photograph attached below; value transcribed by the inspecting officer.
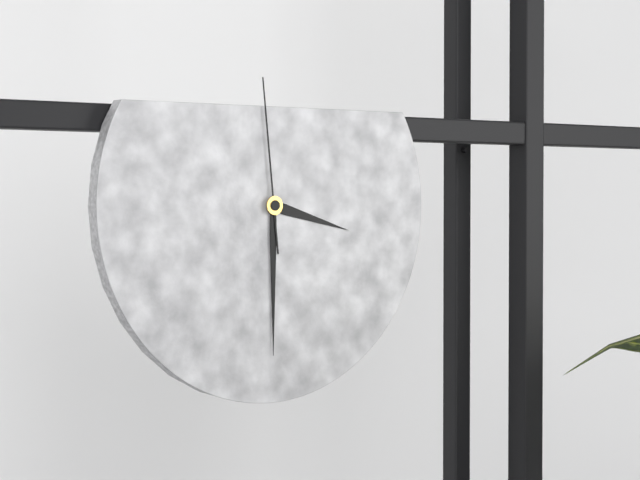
3:30:59
